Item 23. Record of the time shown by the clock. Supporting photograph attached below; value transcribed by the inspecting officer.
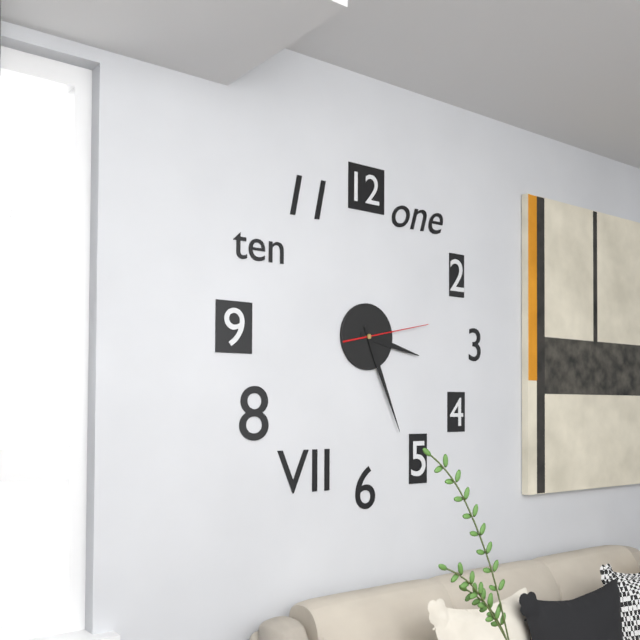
3:26:13
